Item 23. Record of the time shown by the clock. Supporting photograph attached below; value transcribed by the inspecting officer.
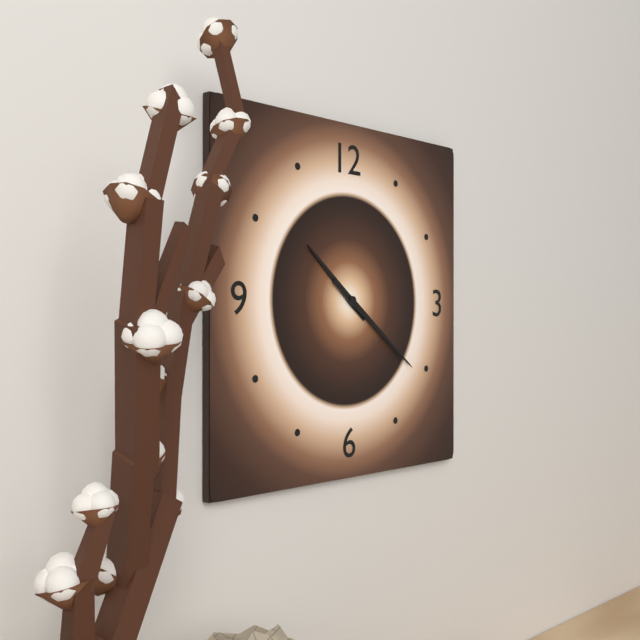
10:21
